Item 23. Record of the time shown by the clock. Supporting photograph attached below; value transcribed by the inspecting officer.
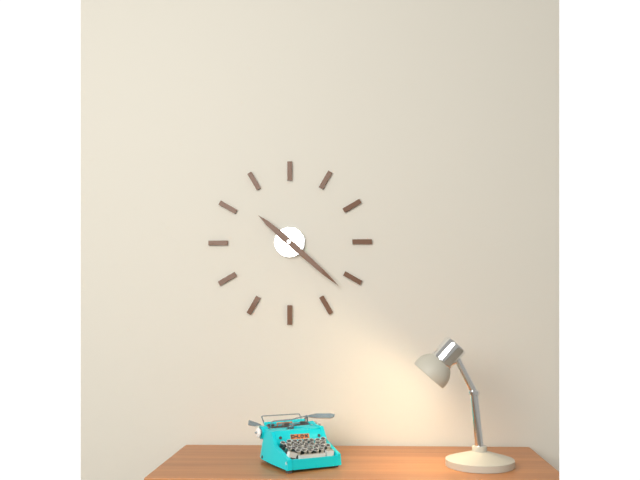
10:22
